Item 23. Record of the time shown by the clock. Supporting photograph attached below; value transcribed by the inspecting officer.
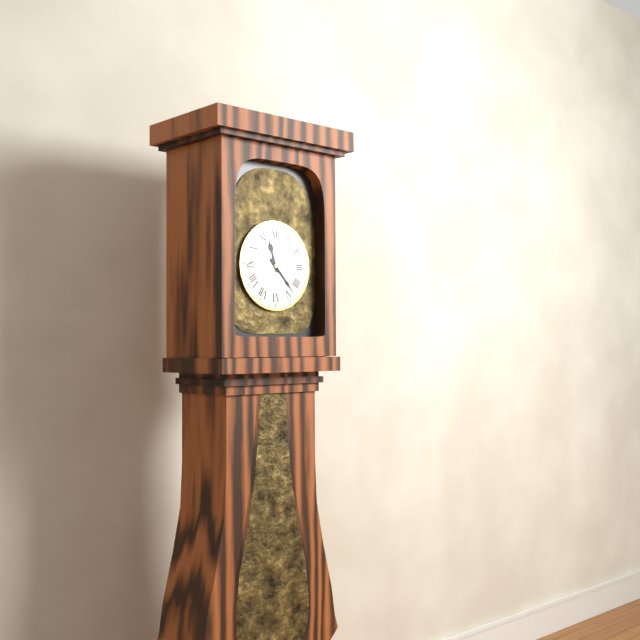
11:23
